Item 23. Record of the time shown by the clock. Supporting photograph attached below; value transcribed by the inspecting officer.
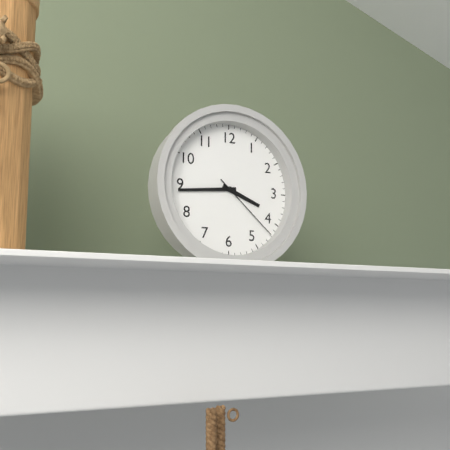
3:44:22
